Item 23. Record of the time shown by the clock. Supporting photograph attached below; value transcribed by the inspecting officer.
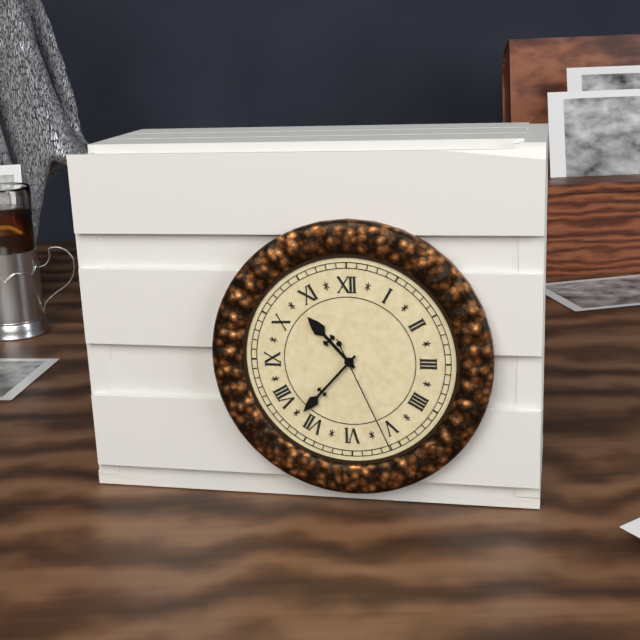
10:37:26
